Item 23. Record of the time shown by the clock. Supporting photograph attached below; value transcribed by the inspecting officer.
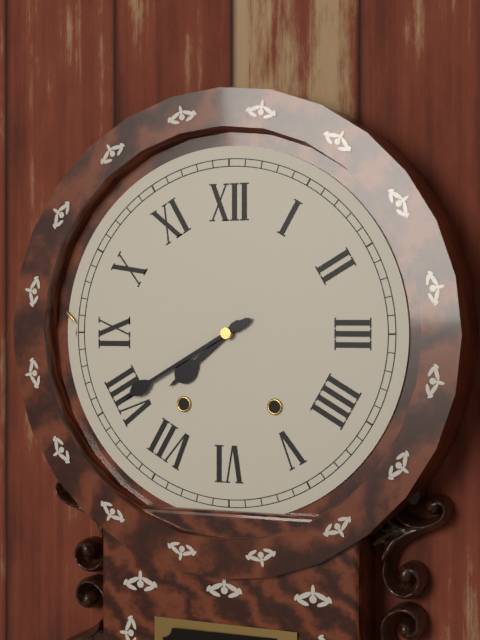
7:40
